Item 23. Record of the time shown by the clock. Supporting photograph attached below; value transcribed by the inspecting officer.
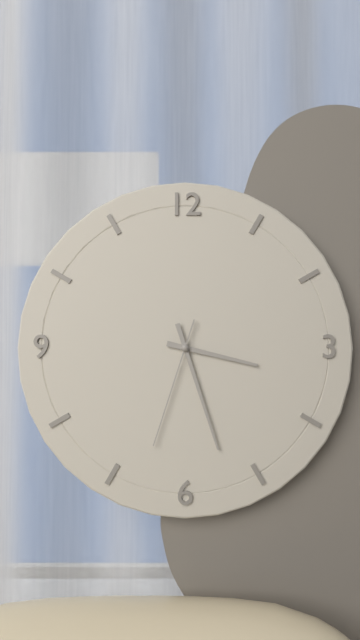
3:27:33
